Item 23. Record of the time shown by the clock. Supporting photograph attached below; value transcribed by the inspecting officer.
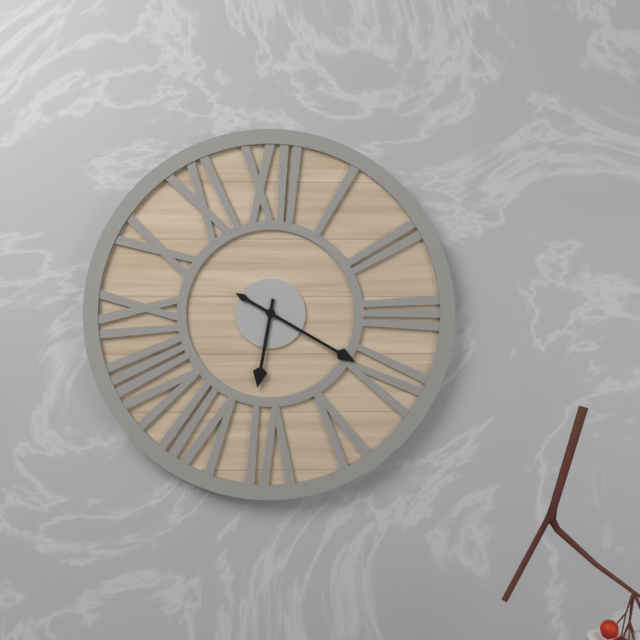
6:20
